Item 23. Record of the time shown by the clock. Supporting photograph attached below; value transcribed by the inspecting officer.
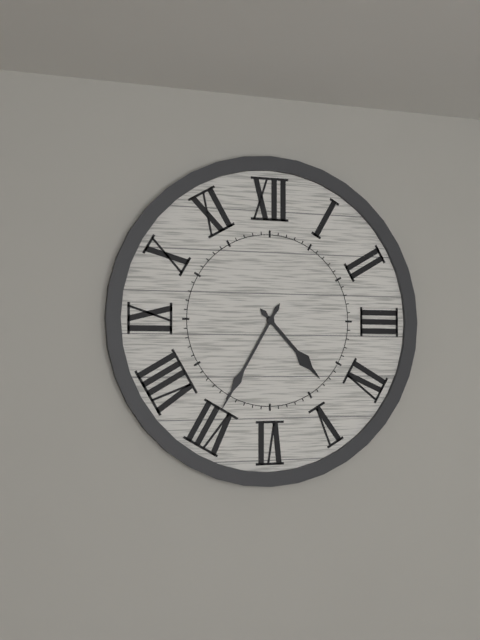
4:35
